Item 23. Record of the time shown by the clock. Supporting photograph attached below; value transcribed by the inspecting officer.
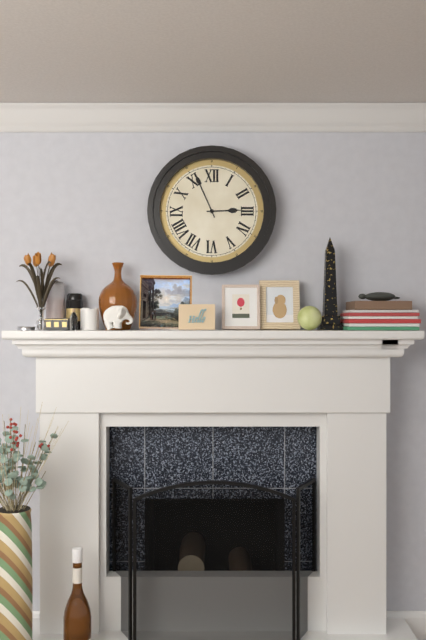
2:56
